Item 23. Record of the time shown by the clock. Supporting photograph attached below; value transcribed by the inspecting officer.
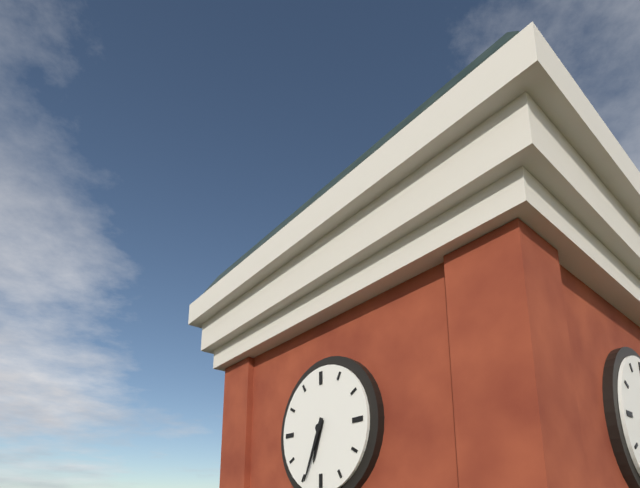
6:34
